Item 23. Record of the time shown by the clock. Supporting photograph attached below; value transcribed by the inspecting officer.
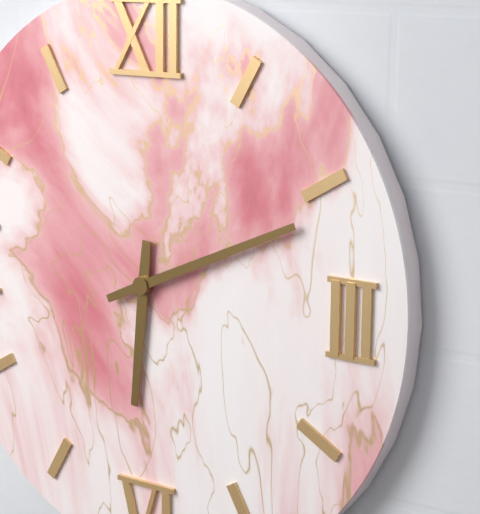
6:11
